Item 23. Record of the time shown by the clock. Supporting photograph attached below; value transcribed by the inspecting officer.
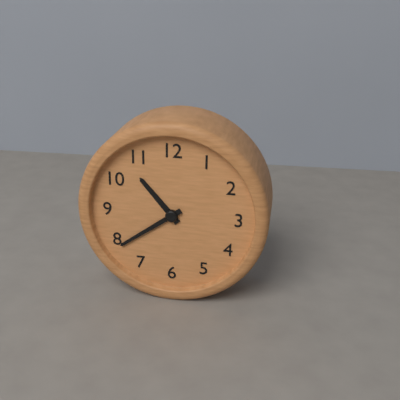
10:39
